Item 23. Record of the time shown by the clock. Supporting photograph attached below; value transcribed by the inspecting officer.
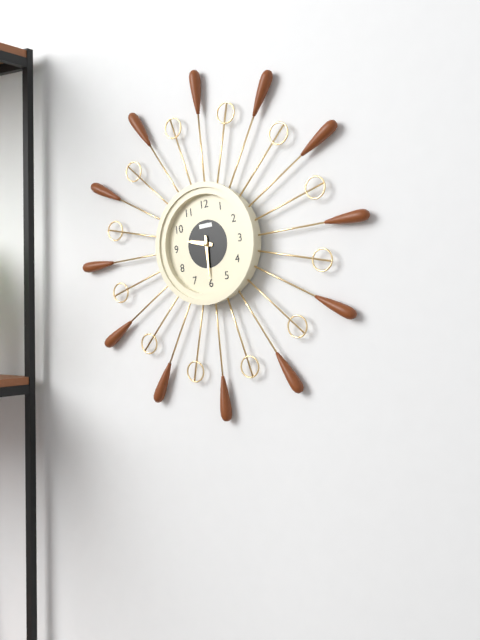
9:30
